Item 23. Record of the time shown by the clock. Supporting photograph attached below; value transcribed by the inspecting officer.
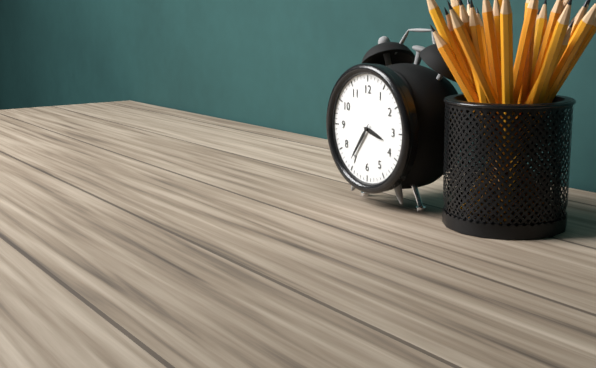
3:36
